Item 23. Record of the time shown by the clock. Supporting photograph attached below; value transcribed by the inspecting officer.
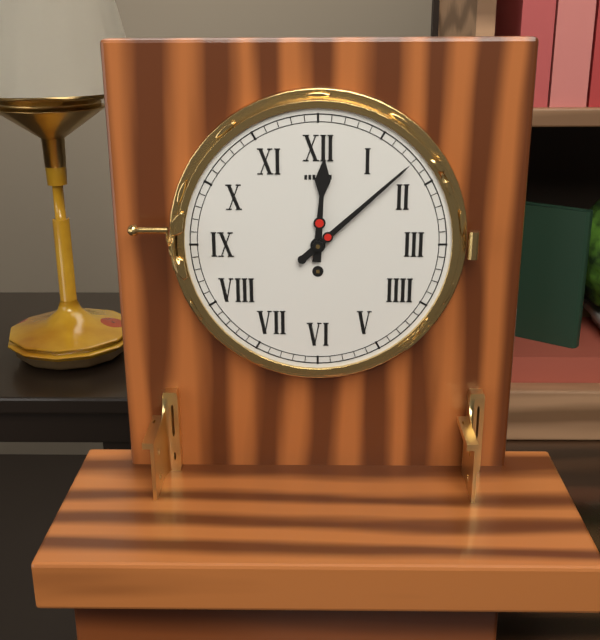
12:08
